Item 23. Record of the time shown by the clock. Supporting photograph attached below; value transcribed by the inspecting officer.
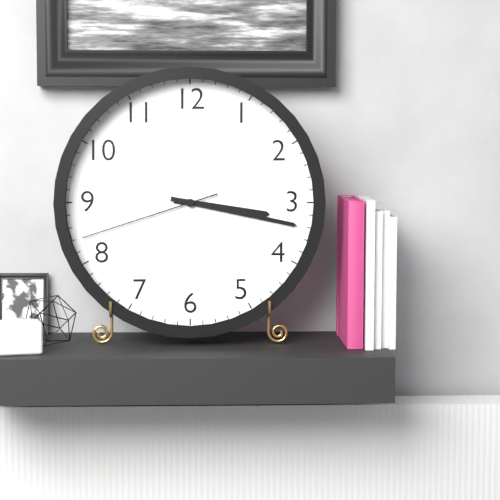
3:17:42
